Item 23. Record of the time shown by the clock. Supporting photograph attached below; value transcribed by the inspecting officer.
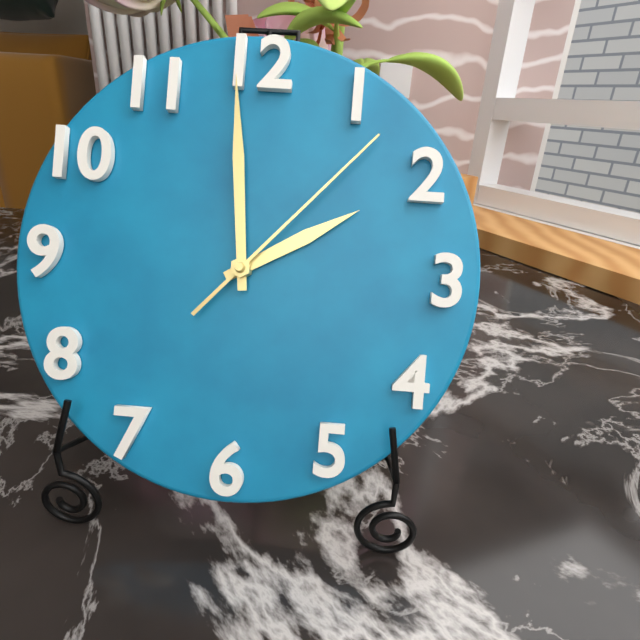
1:59:07
